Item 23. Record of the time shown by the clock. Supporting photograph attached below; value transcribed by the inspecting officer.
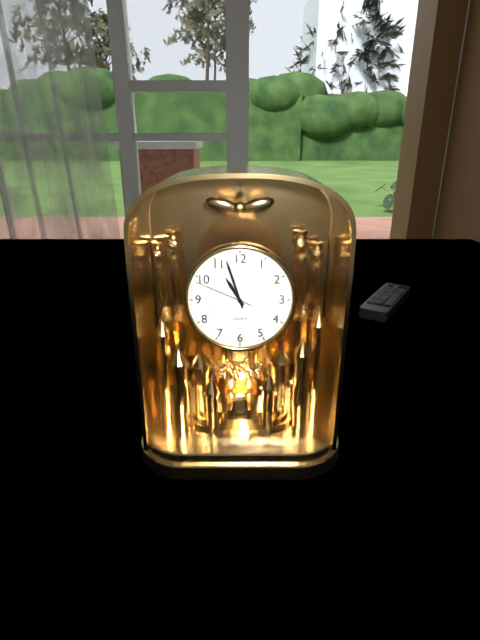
10:57:49
